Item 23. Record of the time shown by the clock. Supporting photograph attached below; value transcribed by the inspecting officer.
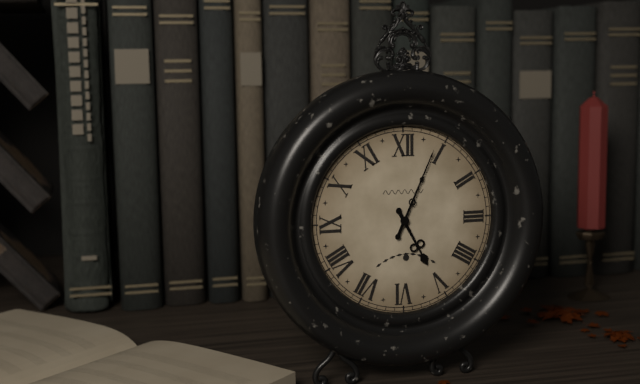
5:04
